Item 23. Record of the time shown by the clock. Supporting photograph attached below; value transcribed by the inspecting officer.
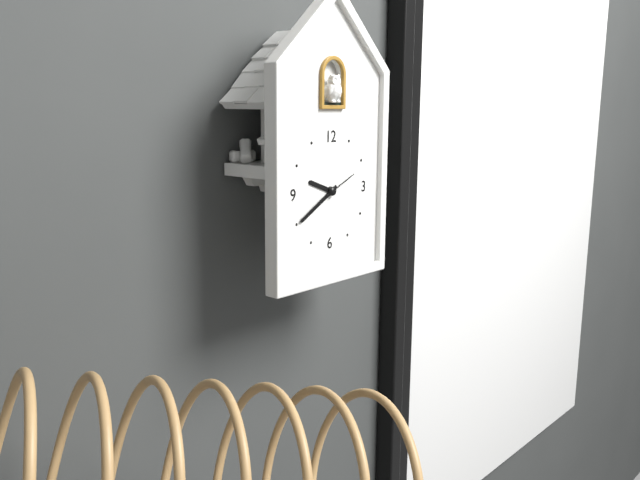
9:40:11
